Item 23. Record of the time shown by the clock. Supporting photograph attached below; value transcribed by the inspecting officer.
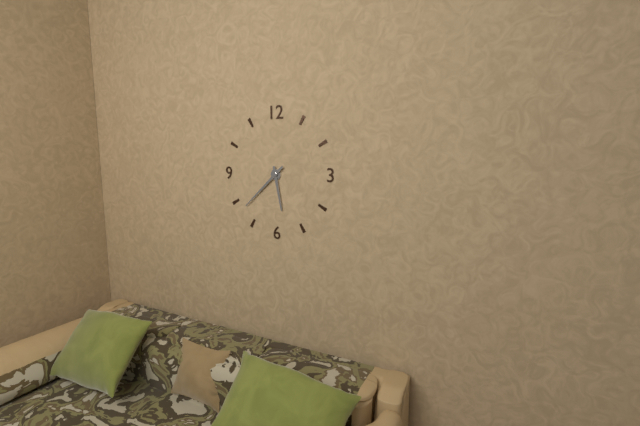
5:38
